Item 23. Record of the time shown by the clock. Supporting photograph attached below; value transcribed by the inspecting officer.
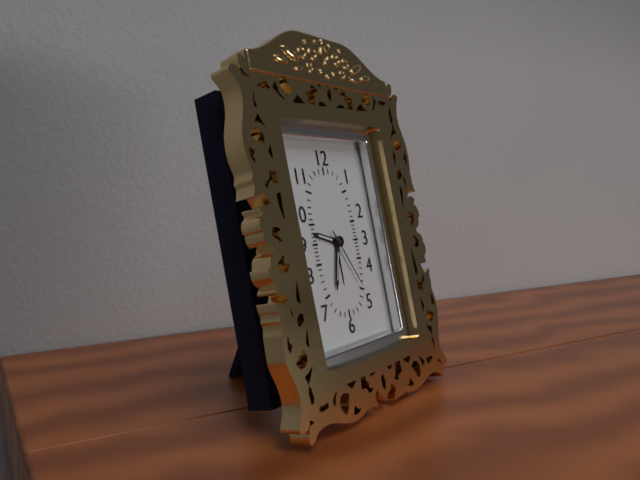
9:33:25
